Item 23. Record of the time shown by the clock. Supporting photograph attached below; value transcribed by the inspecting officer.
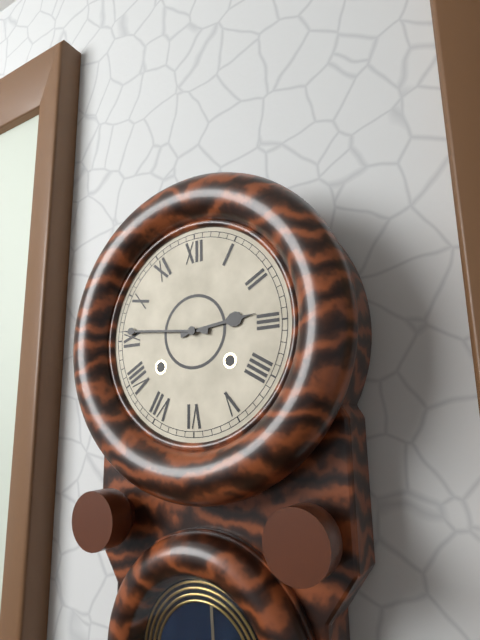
2:46
